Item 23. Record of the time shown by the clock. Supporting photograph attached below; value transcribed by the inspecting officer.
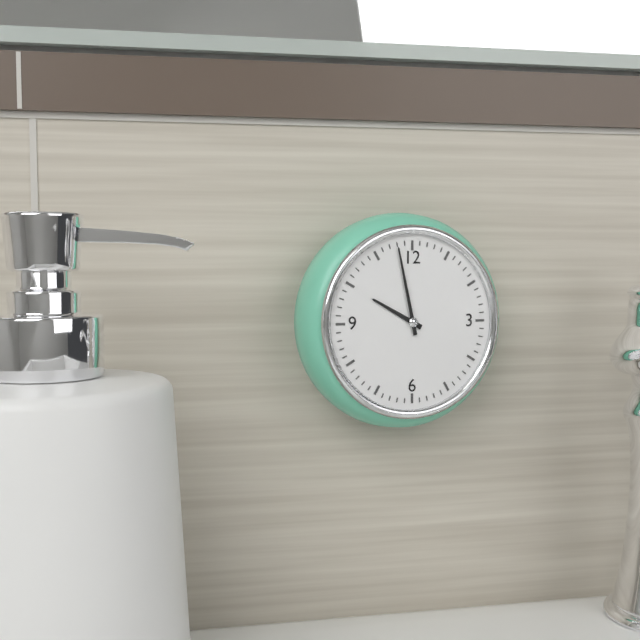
9:58
